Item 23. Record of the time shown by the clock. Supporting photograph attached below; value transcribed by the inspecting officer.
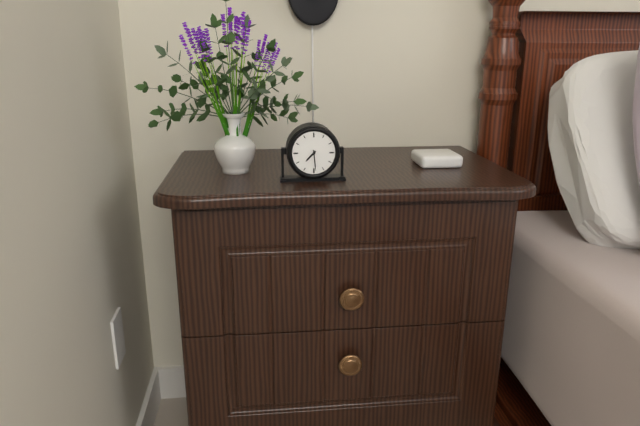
7:29
